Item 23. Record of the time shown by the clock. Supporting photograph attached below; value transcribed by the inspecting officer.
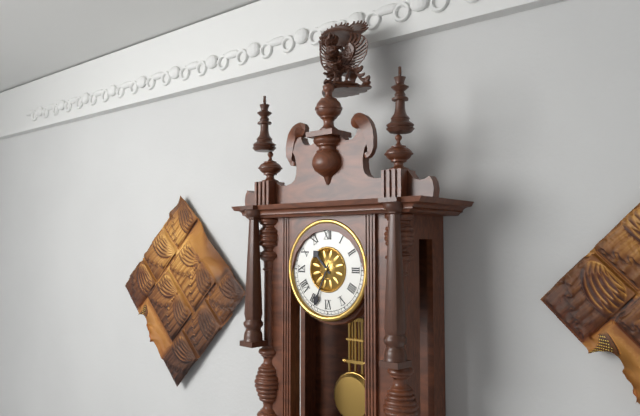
10:34
